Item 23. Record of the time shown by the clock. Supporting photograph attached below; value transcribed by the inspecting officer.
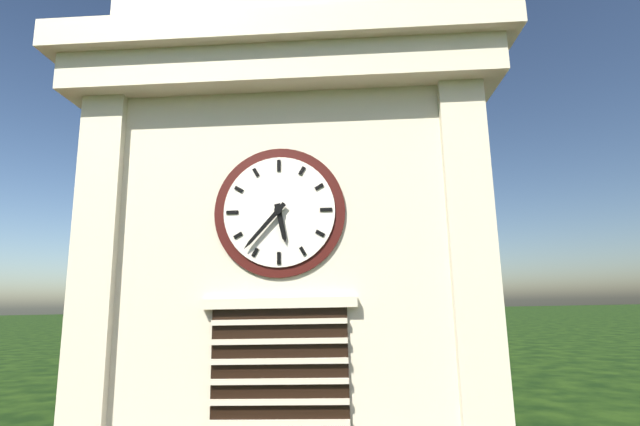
5:37
